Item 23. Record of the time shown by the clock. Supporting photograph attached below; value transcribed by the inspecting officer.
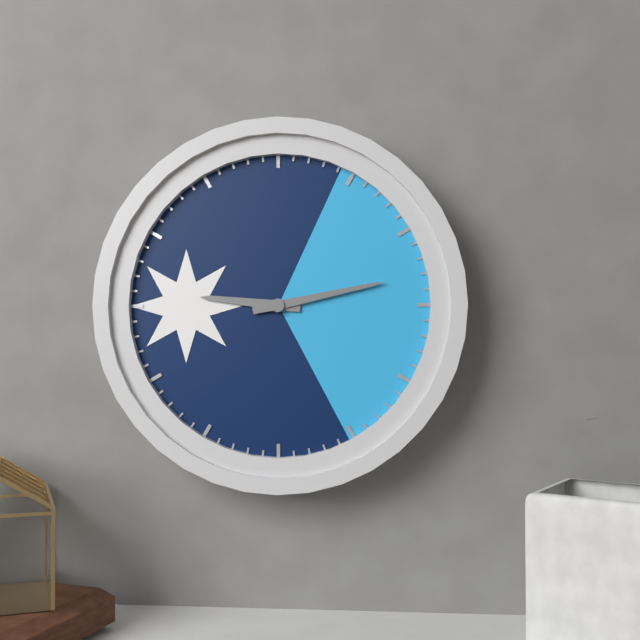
9:13
